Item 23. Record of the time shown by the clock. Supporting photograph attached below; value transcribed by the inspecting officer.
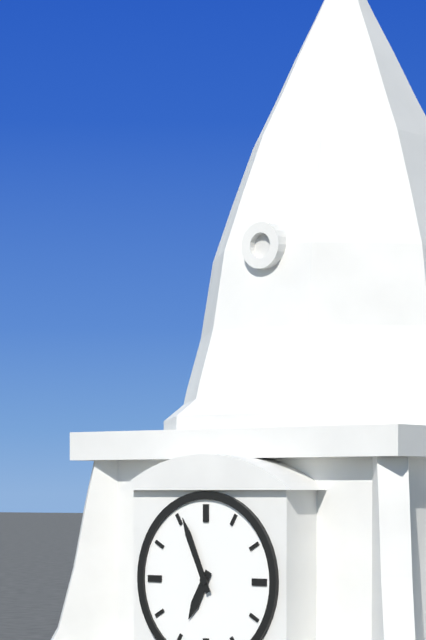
6:56
